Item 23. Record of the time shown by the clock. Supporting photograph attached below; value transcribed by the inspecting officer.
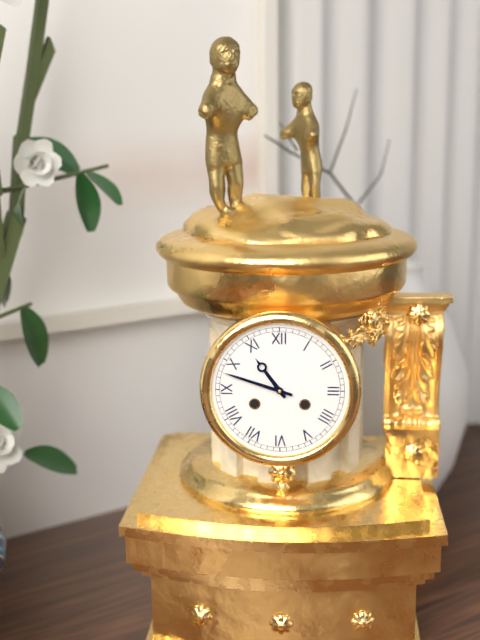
10:48
